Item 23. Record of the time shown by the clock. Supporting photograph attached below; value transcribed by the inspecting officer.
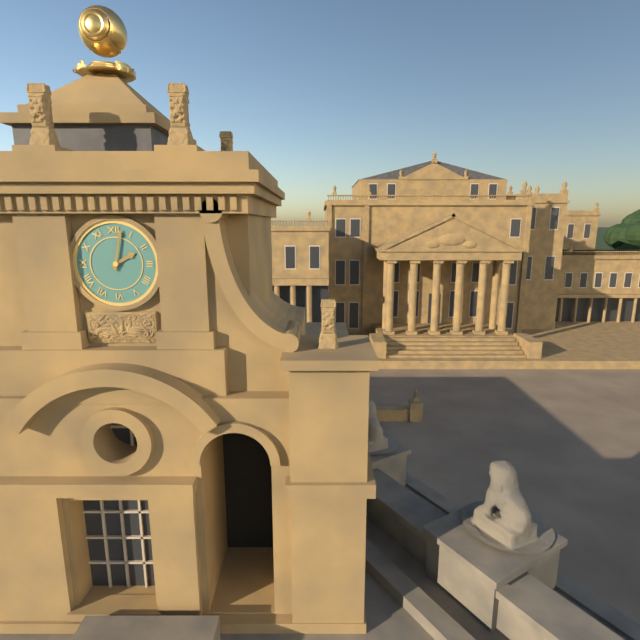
2:02
